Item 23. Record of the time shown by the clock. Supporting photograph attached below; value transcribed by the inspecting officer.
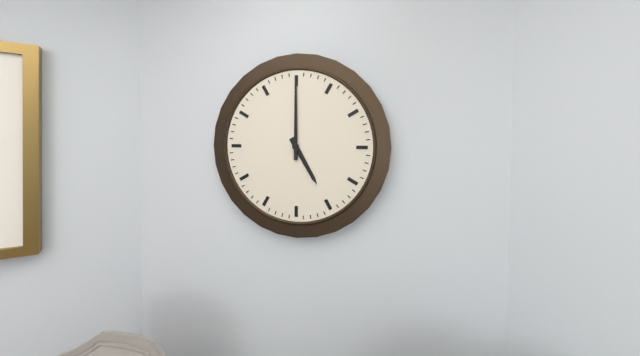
5:00
